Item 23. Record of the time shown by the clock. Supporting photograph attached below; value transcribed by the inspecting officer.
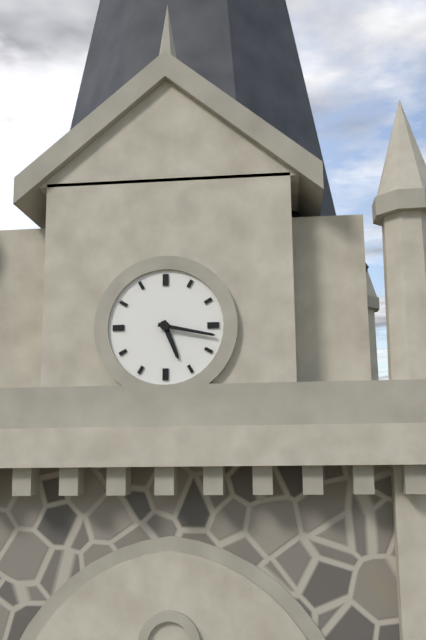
5:17
